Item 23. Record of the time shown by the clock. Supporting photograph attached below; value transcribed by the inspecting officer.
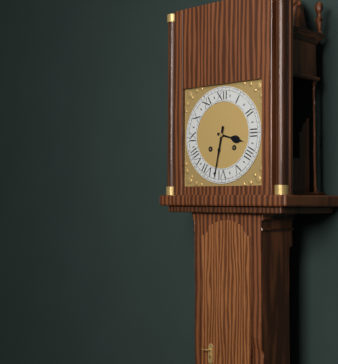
3:32
